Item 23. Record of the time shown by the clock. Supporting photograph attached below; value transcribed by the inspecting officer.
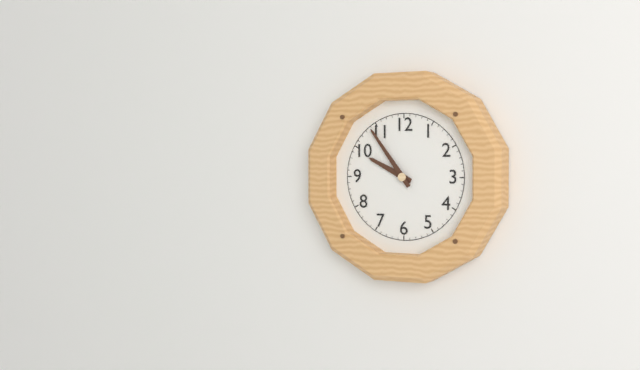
9:54
